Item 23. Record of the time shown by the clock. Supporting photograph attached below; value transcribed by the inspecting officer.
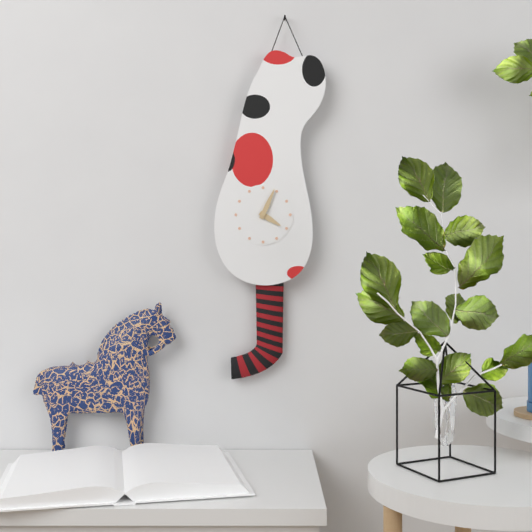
4:04
